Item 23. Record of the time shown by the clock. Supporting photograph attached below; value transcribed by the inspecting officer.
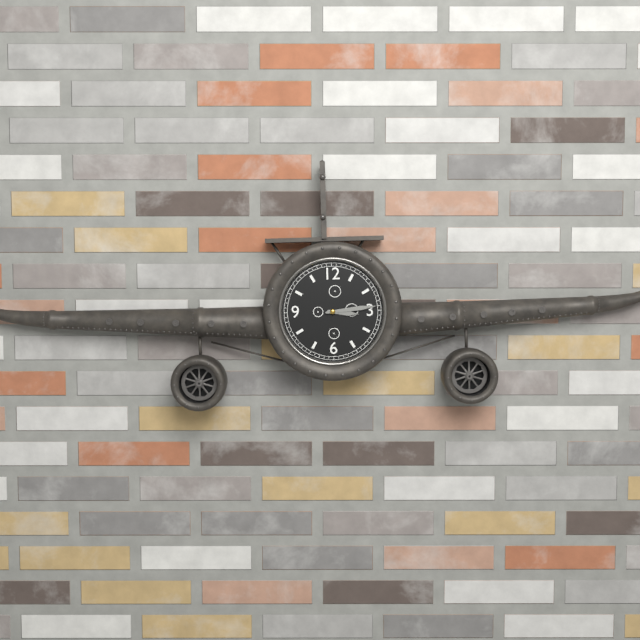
3:14
